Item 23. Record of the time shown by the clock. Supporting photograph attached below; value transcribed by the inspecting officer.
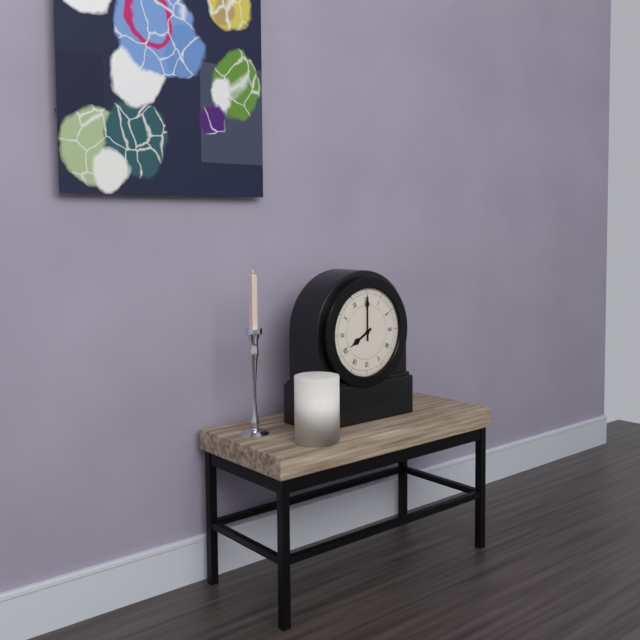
8:00
